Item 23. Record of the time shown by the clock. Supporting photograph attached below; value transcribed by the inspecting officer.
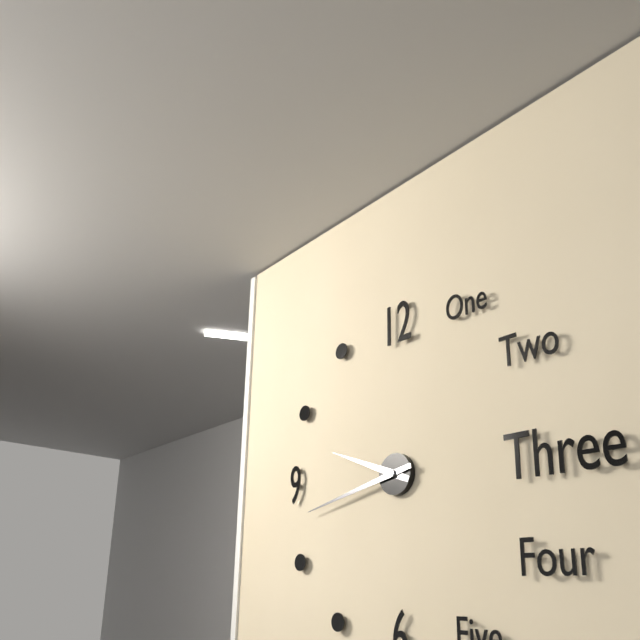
9:43
